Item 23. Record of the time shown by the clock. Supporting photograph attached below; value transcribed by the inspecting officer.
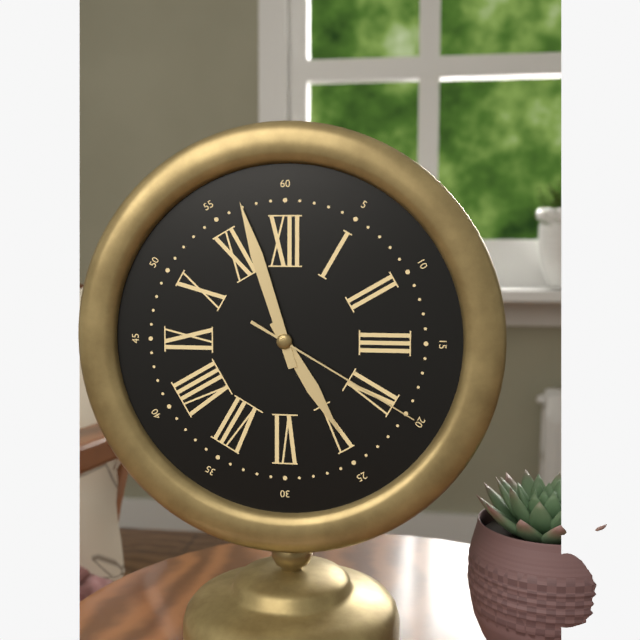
4:57:20
